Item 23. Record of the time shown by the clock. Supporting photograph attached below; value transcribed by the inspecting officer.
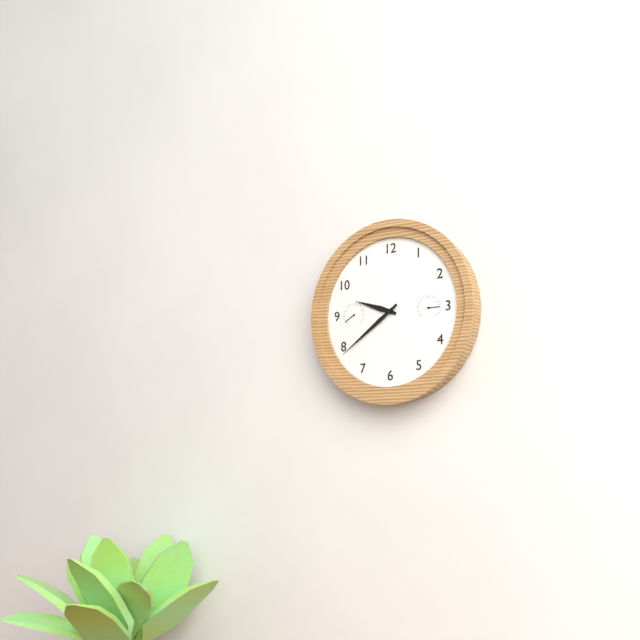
9:39
